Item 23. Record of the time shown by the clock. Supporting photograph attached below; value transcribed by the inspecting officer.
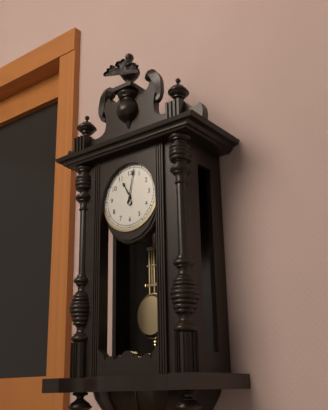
11:02
